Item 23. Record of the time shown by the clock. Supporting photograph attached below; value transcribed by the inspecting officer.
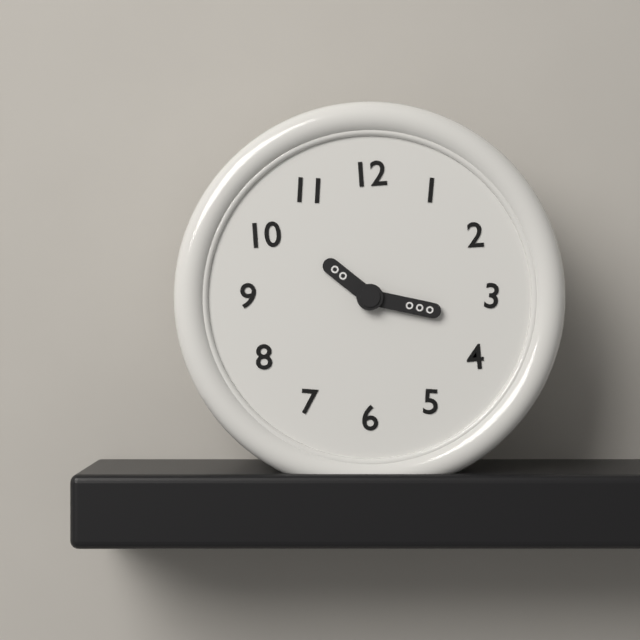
10:17
